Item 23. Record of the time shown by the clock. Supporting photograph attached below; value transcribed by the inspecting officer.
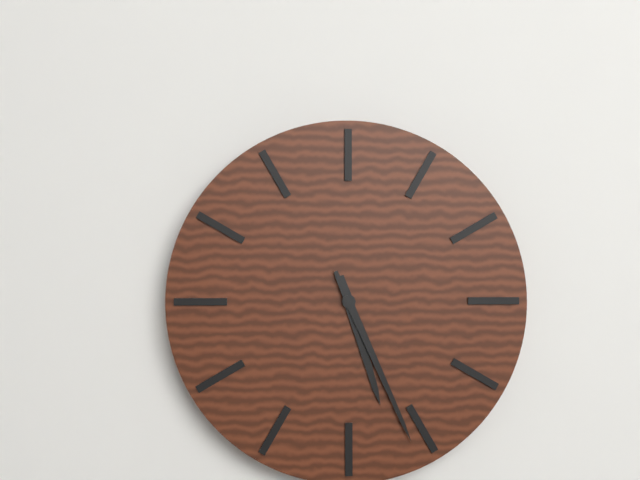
5:26
